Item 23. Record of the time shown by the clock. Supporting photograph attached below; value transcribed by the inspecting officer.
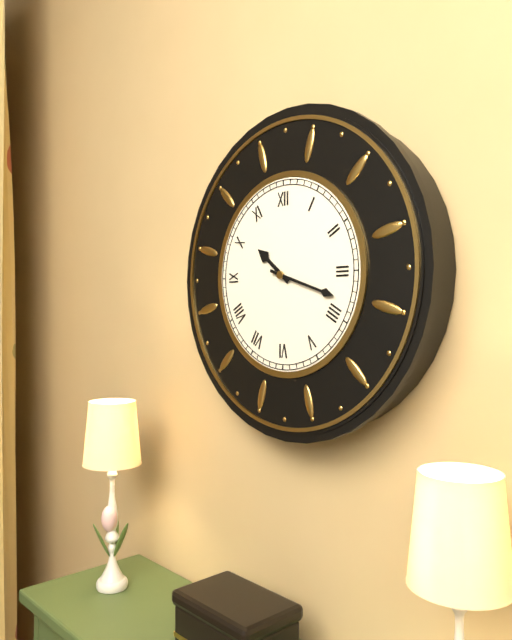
10:18
